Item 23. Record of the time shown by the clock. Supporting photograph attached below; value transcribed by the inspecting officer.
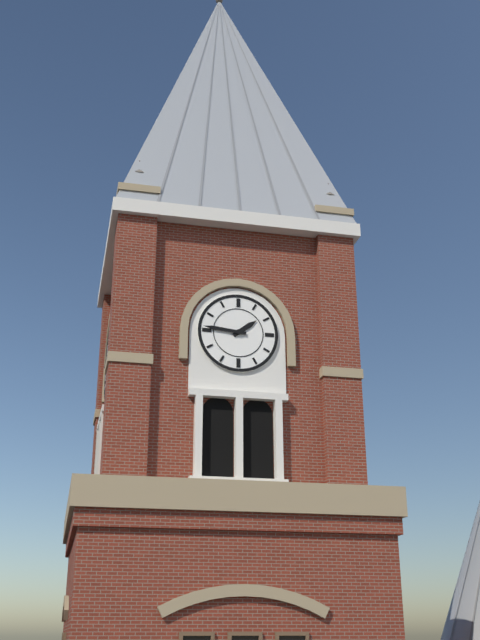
1:46
